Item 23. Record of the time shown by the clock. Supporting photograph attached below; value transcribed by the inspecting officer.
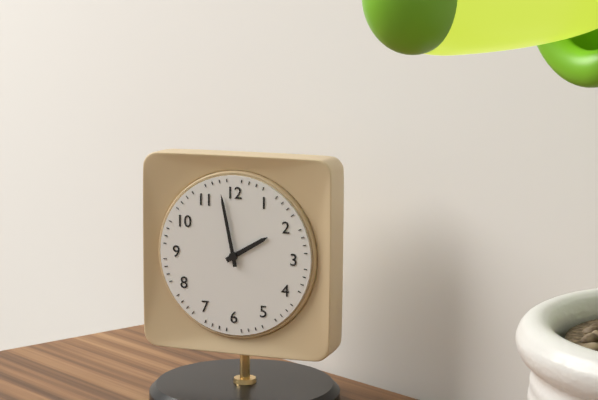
1:58
